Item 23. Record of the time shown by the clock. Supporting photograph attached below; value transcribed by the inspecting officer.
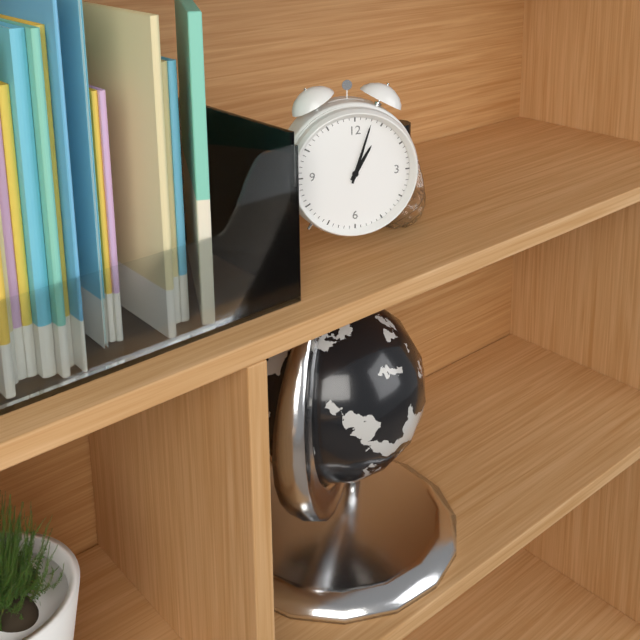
1:03
